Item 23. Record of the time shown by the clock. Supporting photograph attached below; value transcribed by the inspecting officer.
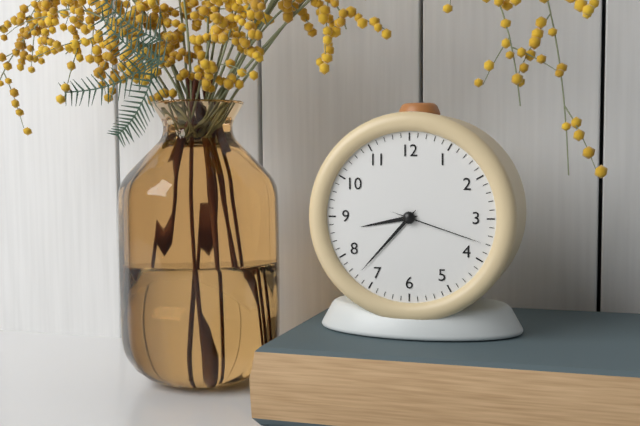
8:37:18
